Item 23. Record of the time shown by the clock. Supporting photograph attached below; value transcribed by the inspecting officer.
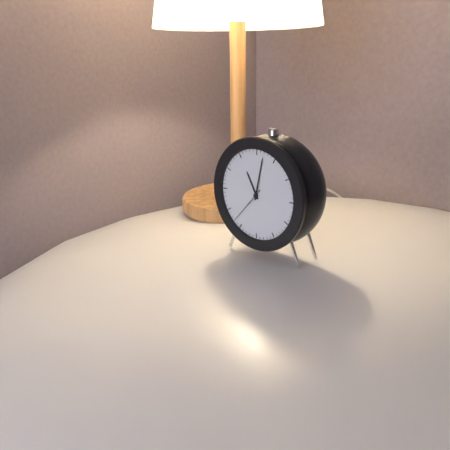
11:02
